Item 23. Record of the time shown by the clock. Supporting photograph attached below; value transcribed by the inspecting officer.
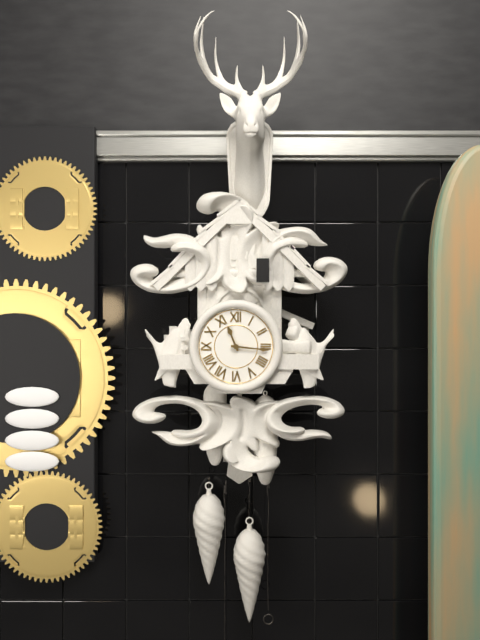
11:16
